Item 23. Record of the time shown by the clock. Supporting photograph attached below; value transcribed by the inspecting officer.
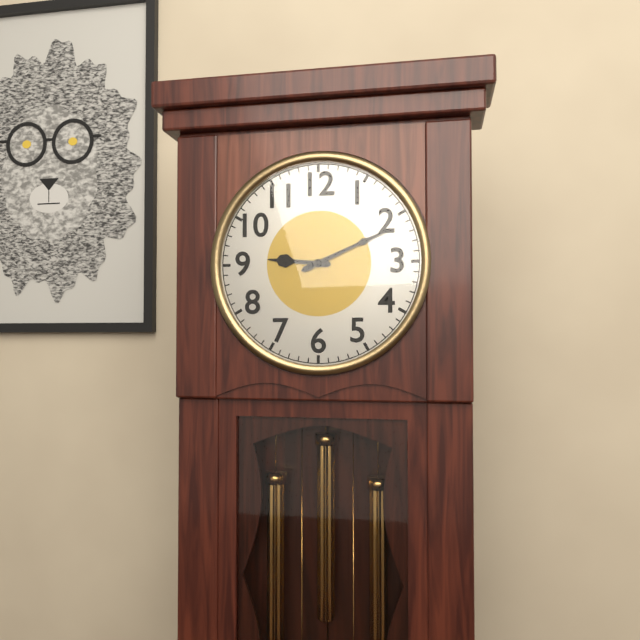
9:11
